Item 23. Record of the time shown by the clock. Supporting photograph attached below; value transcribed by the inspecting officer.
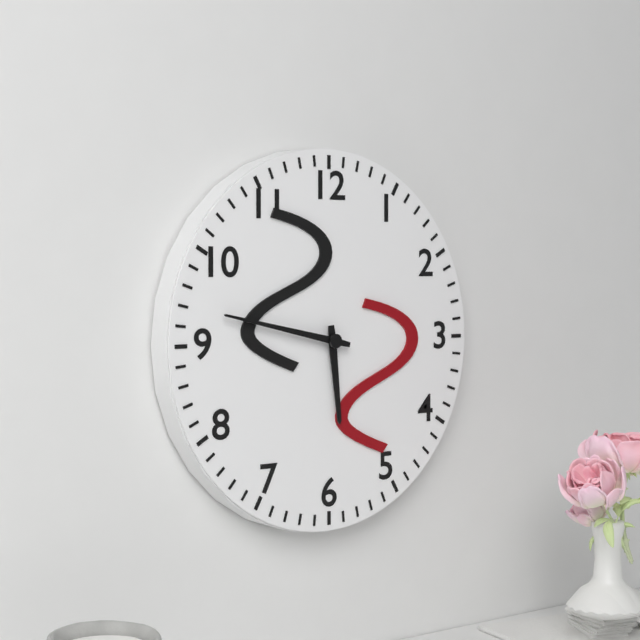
5:47
